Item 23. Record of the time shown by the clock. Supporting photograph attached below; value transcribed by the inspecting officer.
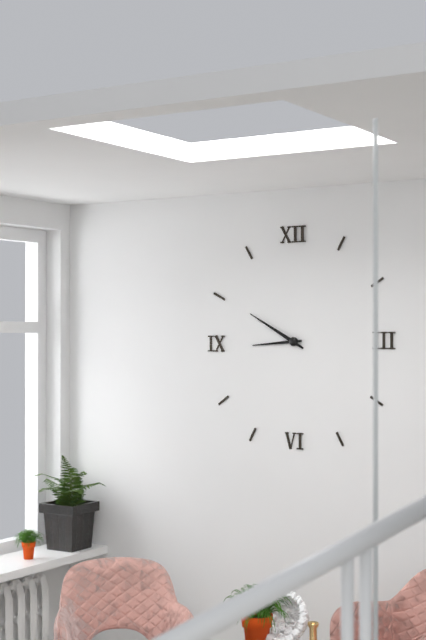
8:50
